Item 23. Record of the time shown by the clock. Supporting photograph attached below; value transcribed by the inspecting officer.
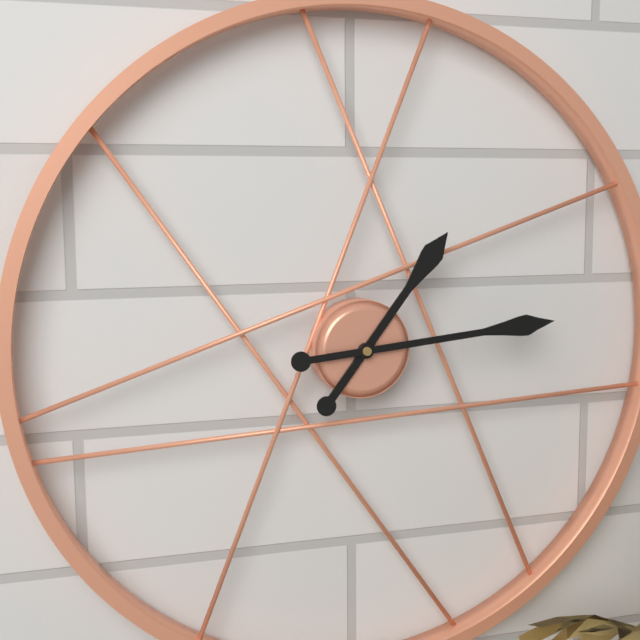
1:14
